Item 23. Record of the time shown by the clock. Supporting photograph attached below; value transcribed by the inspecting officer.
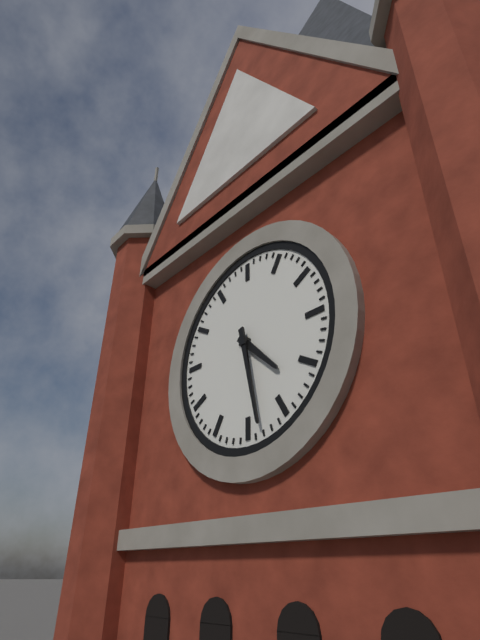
4:28
